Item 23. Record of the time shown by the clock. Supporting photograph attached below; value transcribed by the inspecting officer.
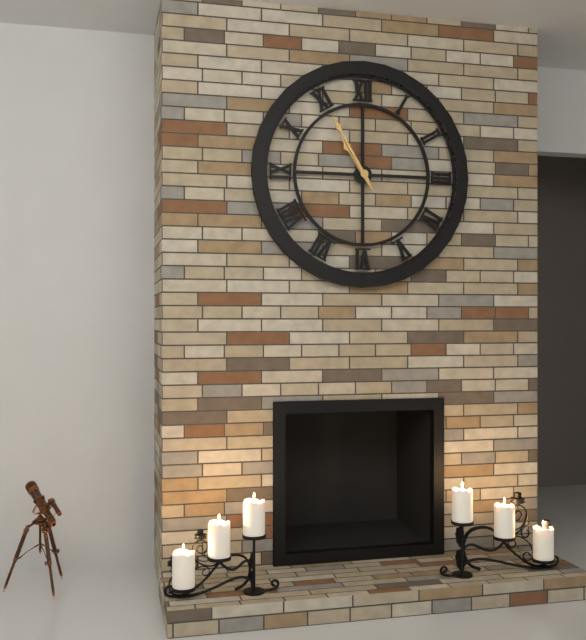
10:55
